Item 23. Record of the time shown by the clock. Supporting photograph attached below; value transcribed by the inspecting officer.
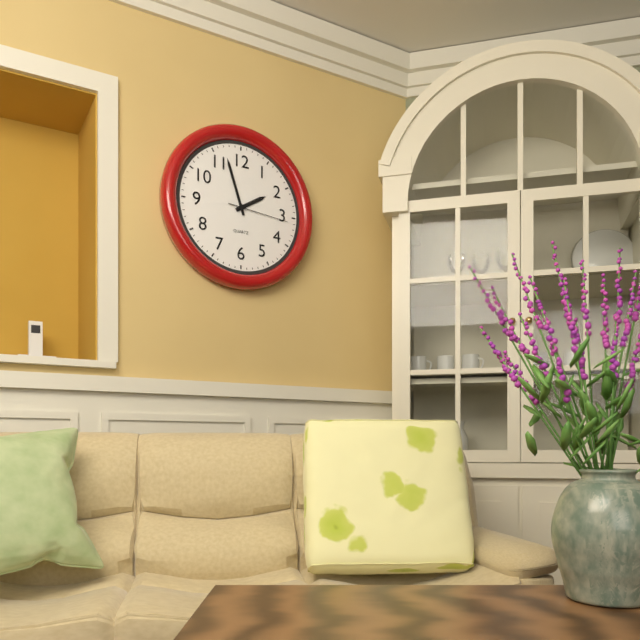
1:57:16
